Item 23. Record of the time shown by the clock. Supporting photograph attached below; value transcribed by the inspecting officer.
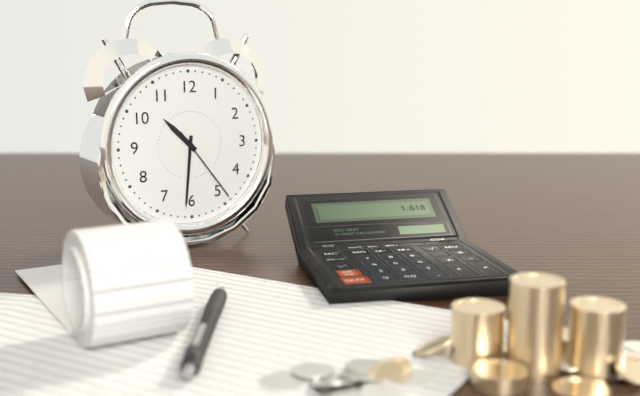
10:31:24
